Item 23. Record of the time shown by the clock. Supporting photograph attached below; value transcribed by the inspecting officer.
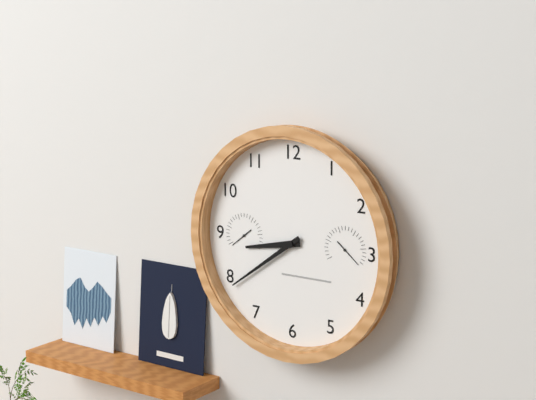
8:39
